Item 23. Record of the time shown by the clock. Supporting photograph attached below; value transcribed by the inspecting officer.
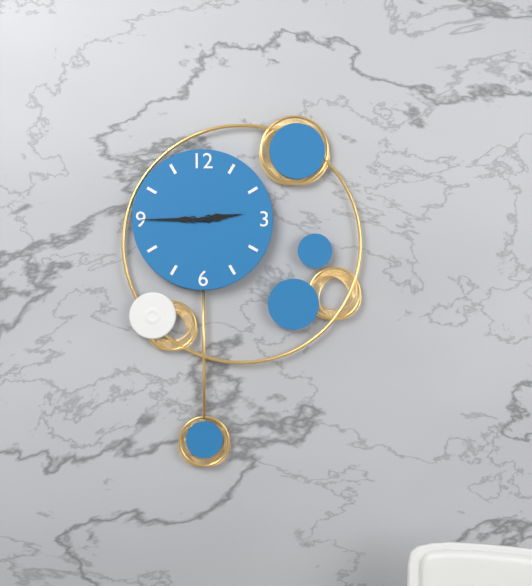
2:45
